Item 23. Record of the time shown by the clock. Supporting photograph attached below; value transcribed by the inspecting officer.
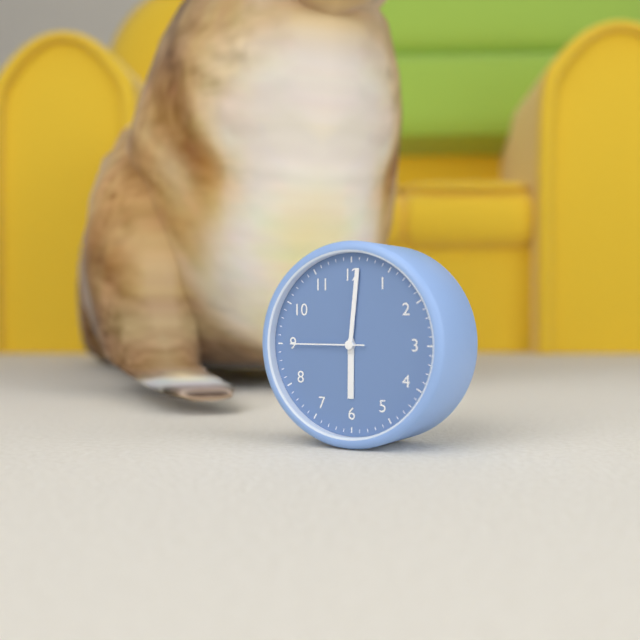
6:01:45
